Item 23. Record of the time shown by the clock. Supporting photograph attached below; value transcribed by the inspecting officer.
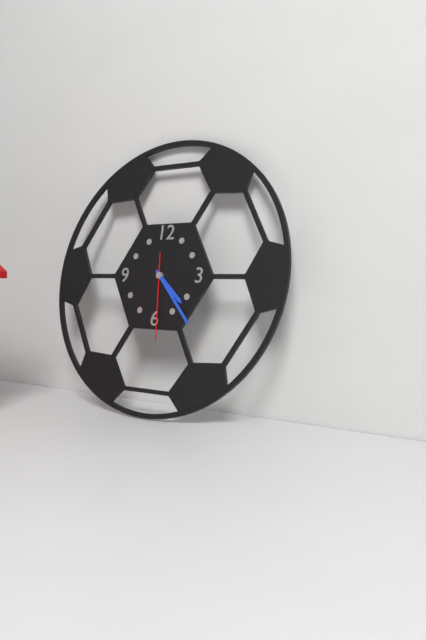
4:23:29
